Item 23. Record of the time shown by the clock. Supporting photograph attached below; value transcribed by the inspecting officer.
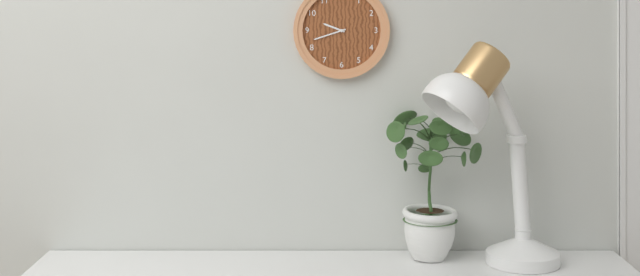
9:42
